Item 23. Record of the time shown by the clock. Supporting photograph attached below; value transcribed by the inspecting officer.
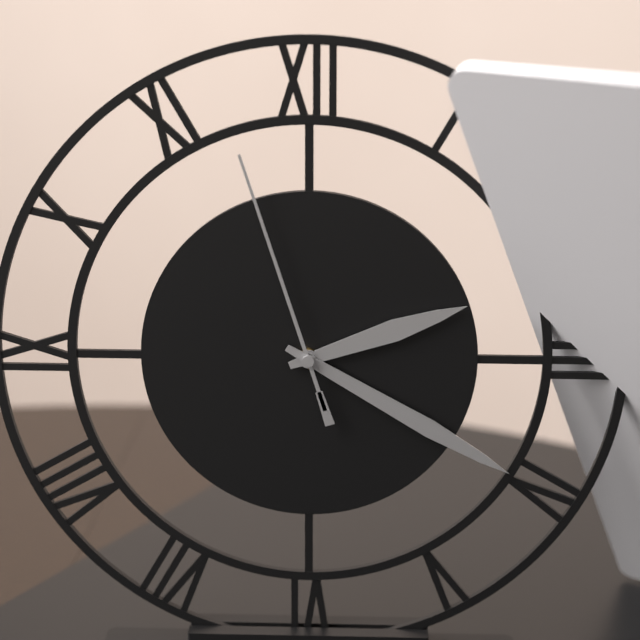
2:20:57
